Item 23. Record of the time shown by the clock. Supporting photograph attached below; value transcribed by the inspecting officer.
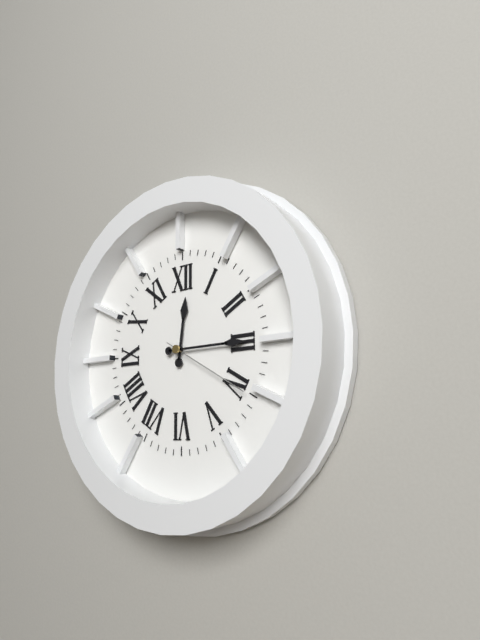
12:15:20
